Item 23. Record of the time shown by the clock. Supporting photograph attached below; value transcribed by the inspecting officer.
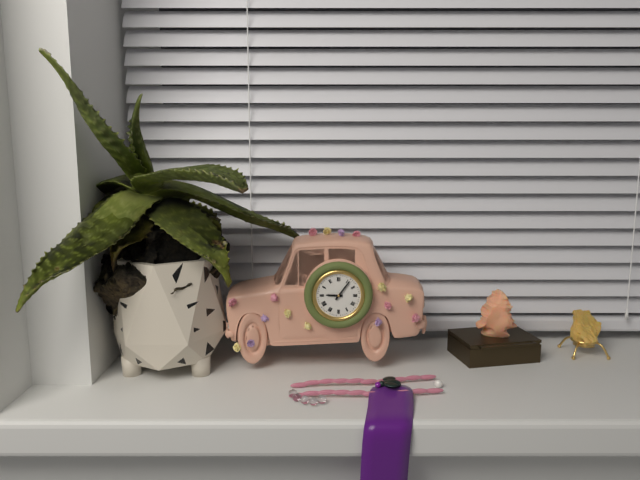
9:06
